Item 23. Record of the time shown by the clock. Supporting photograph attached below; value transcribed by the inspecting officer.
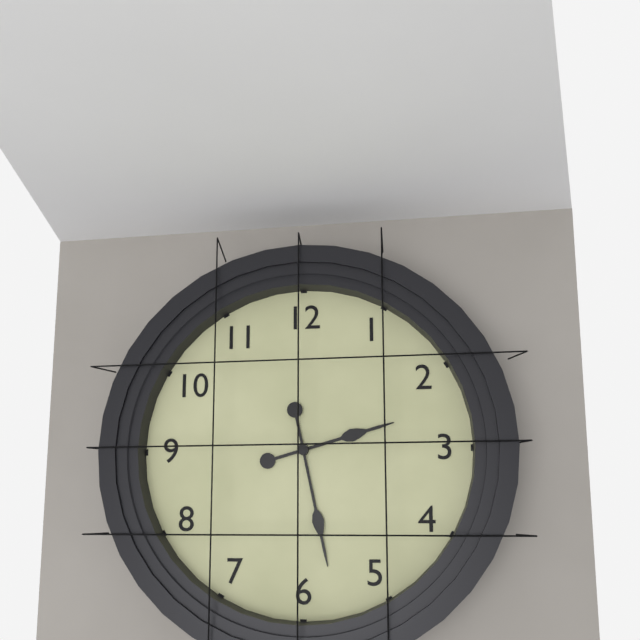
2:28
